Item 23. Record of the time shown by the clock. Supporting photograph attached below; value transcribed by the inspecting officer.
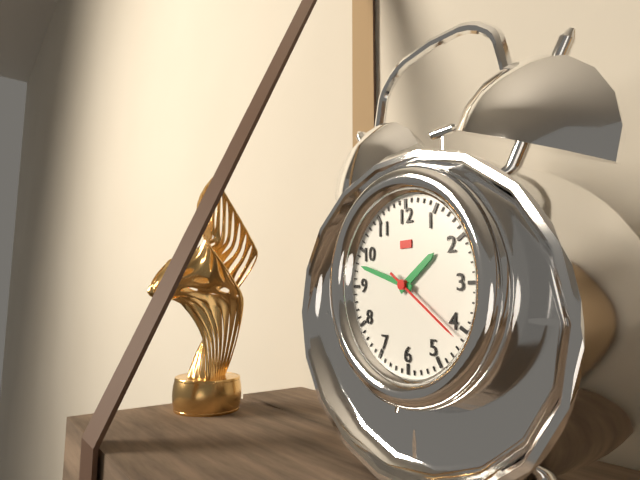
1:48:21
